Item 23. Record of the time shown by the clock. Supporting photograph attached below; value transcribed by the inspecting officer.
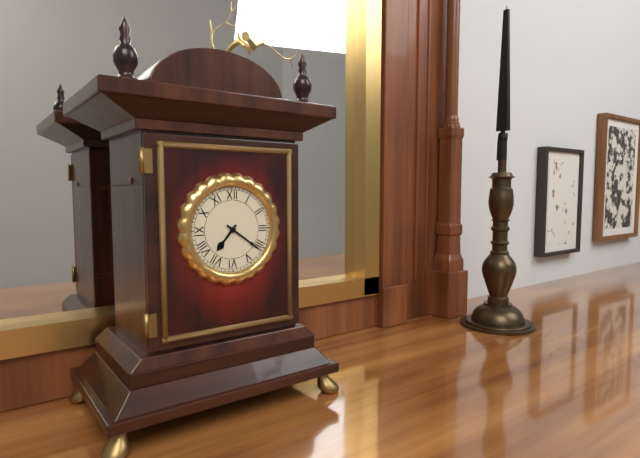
7:21
